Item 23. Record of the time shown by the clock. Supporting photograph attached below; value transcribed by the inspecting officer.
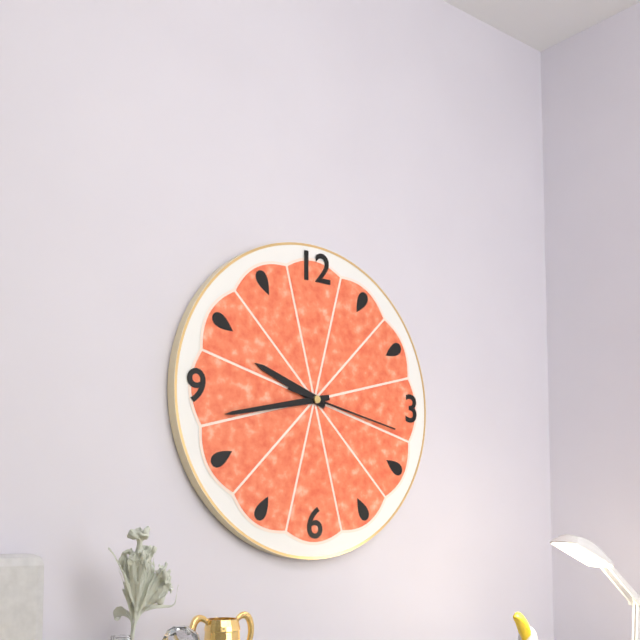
9:43:17
